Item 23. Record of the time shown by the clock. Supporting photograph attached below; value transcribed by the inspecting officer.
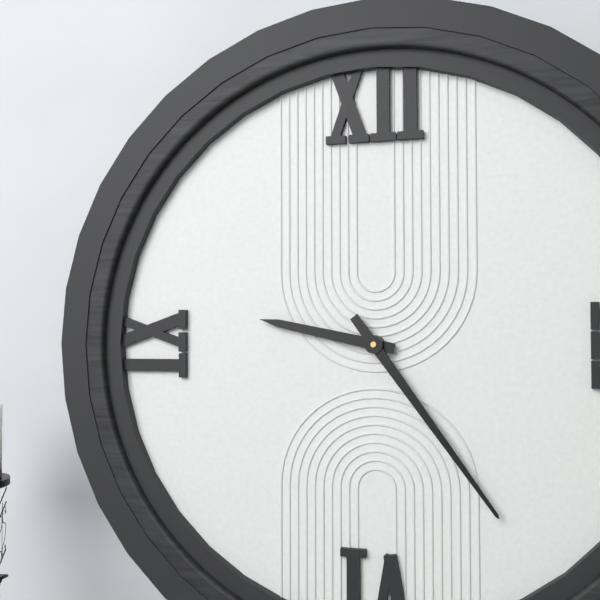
9:24
